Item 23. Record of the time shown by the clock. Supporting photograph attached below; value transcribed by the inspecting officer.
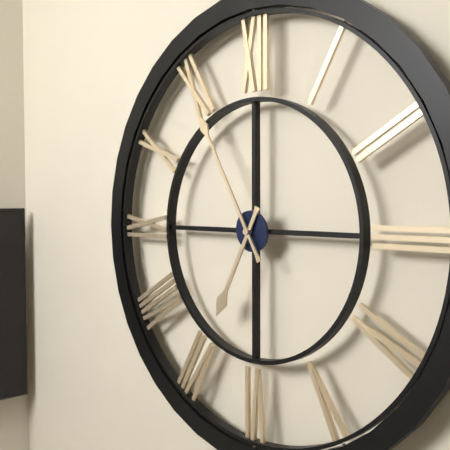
6:55
